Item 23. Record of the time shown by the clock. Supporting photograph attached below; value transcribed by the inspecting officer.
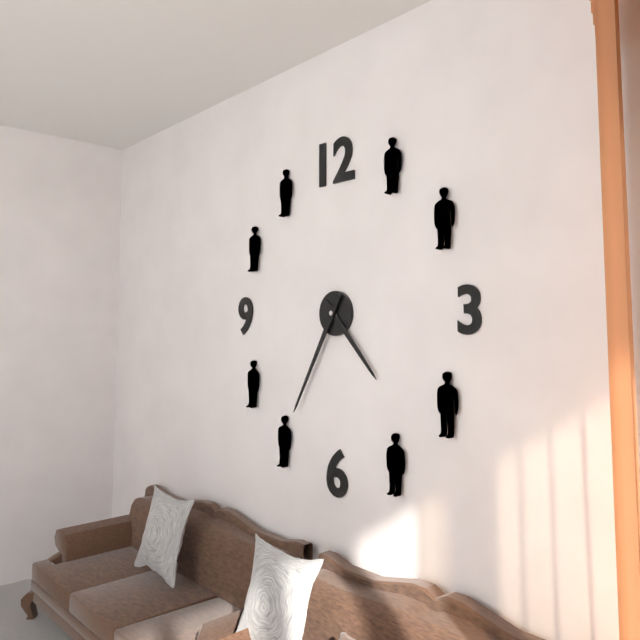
4:35
